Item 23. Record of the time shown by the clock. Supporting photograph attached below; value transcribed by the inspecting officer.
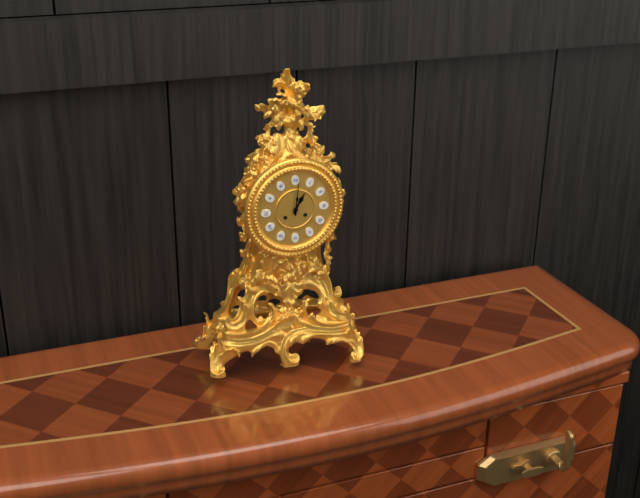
1:01
